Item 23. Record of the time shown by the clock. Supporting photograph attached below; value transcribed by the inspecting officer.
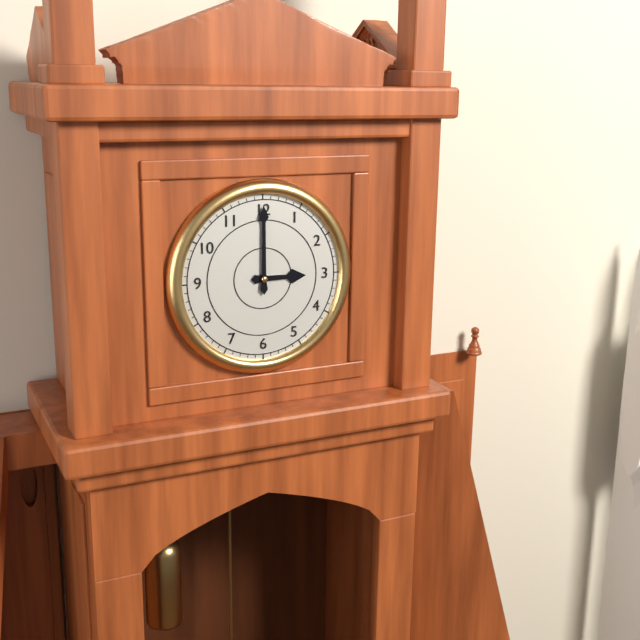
3:00
